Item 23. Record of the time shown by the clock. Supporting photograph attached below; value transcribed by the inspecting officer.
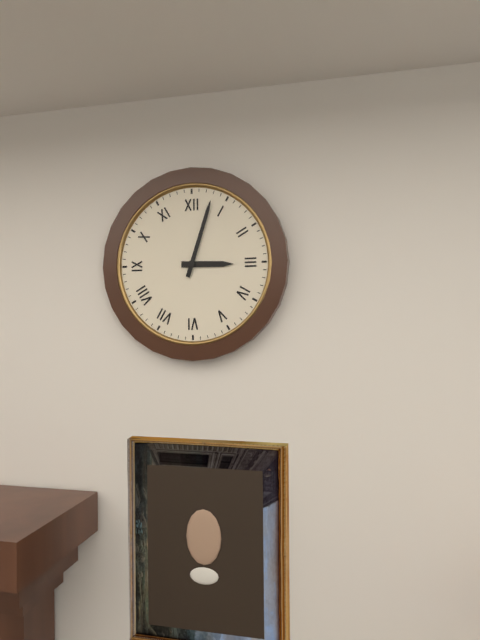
3:03
